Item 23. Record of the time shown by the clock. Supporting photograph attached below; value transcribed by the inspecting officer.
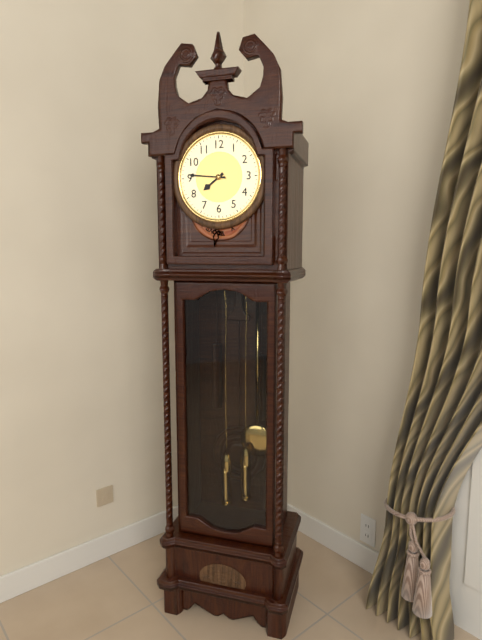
7:46
